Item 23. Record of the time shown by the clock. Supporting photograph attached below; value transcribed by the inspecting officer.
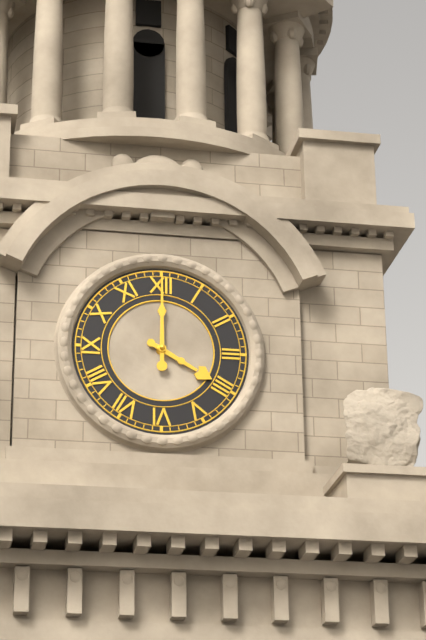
4:00
